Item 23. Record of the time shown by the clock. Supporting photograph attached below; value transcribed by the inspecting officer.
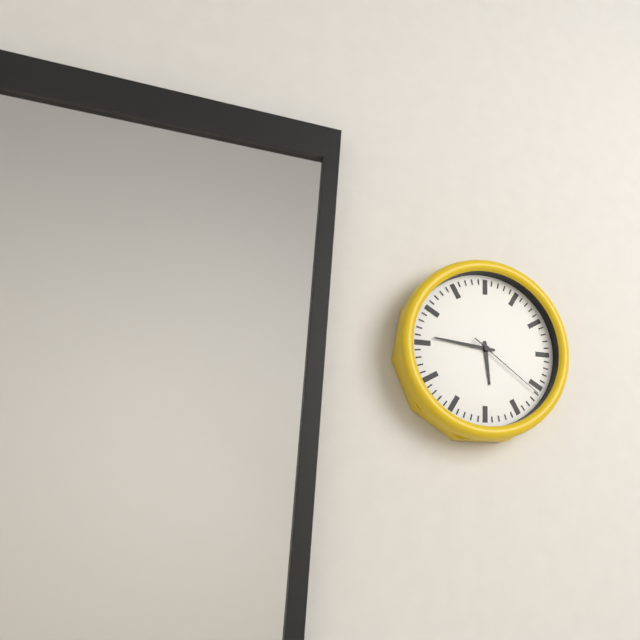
5:46:21
